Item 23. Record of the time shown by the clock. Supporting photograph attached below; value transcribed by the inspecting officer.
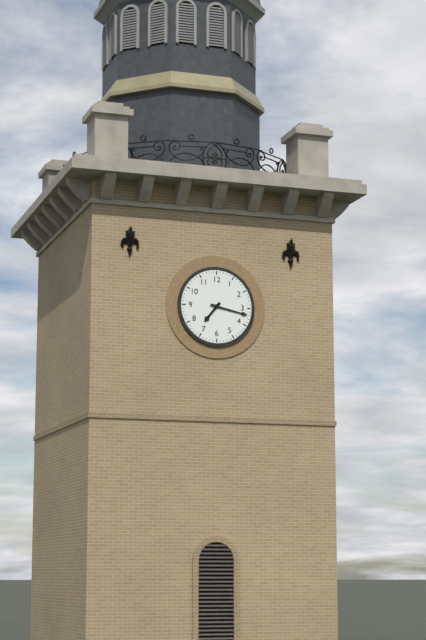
7:17
